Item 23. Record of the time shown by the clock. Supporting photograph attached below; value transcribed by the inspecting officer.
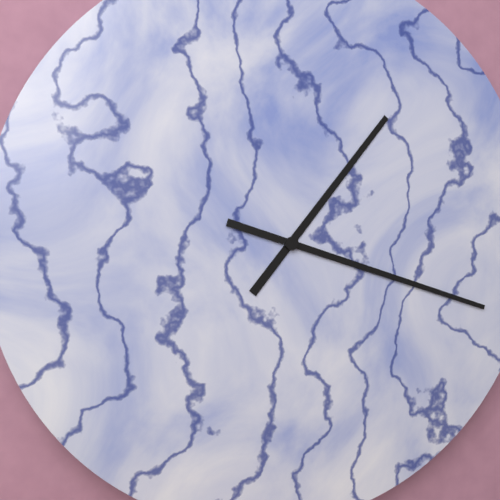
1:18
